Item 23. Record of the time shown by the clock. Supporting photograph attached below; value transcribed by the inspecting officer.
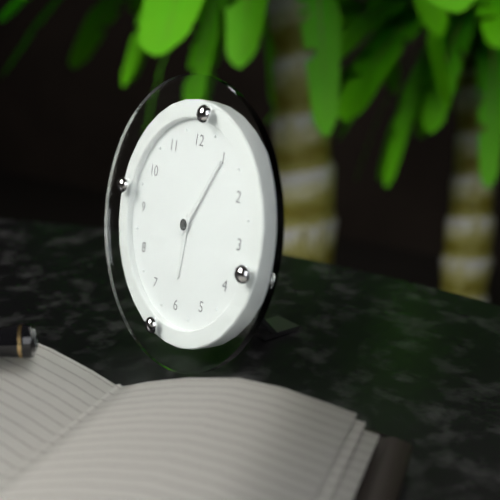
6:05
